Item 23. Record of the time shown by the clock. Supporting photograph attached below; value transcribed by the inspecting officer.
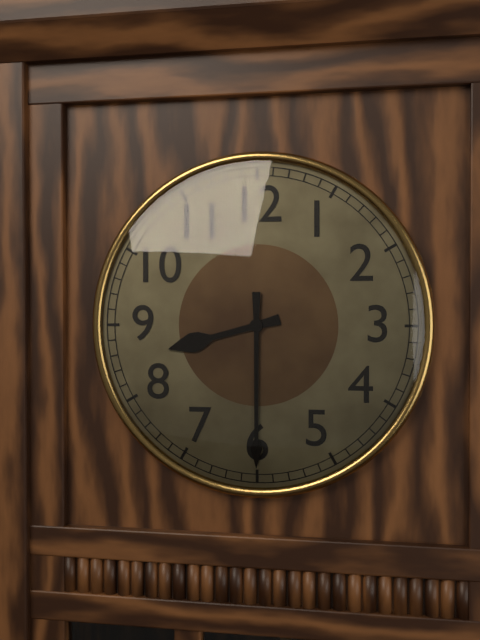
8:30
